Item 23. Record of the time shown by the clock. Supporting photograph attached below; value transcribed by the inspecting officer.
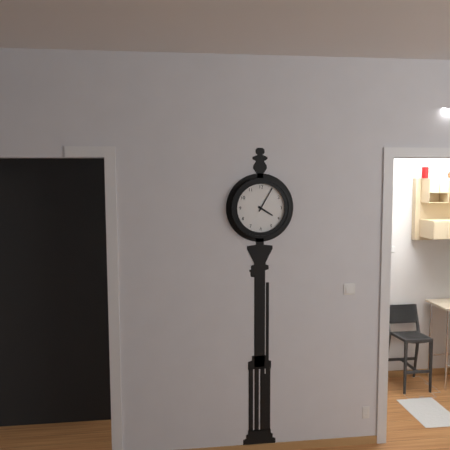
4:05
